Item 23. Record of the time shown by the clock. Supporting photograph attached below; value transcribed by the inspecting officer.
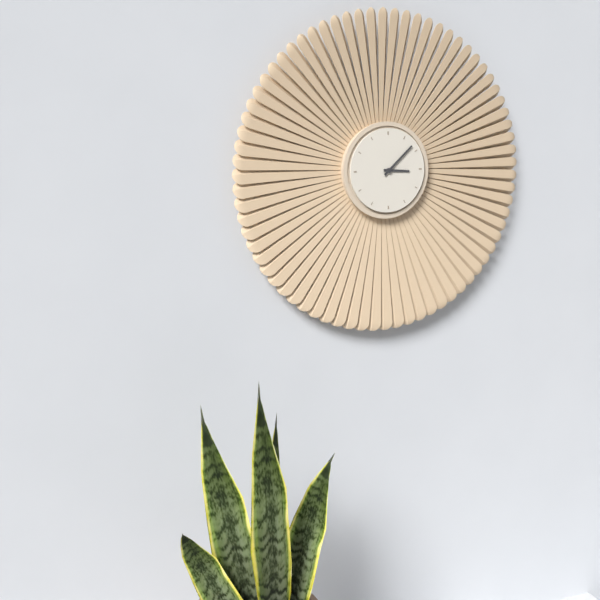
3:08
